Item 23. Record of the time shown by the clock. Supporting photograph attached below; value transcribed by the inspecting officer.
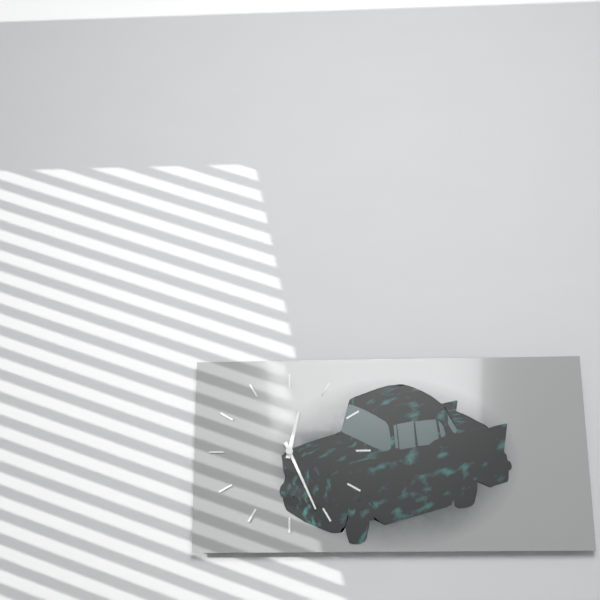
12:26
